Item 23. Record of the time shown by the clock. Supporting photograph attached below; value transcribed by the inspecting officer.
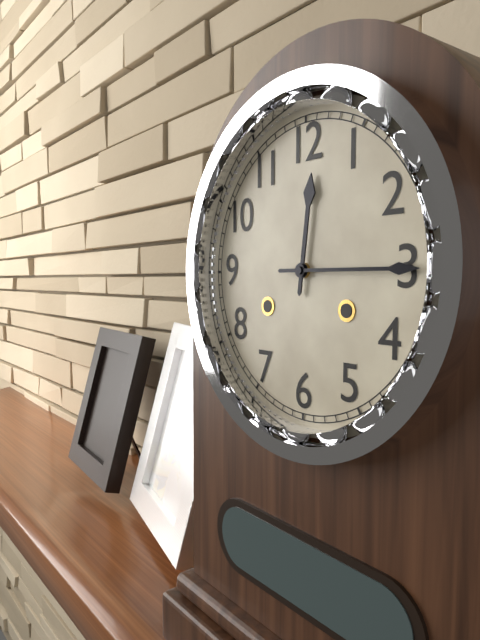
12:15
